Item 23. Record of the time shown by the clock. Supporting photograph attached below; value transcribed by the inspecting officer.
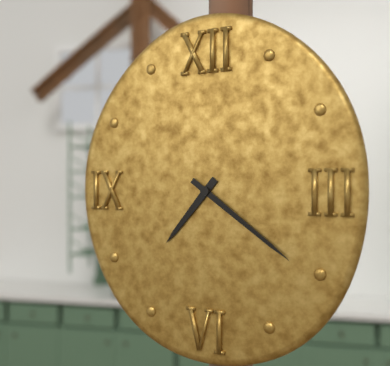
7:21
